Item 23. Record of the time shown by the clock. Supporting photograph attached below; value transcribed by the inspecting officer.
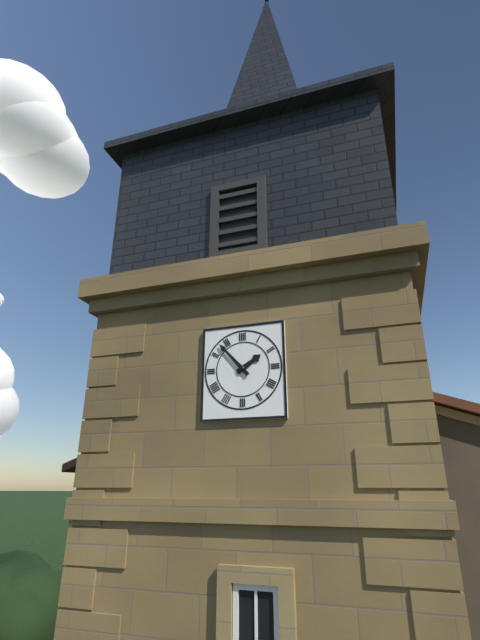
1:53
